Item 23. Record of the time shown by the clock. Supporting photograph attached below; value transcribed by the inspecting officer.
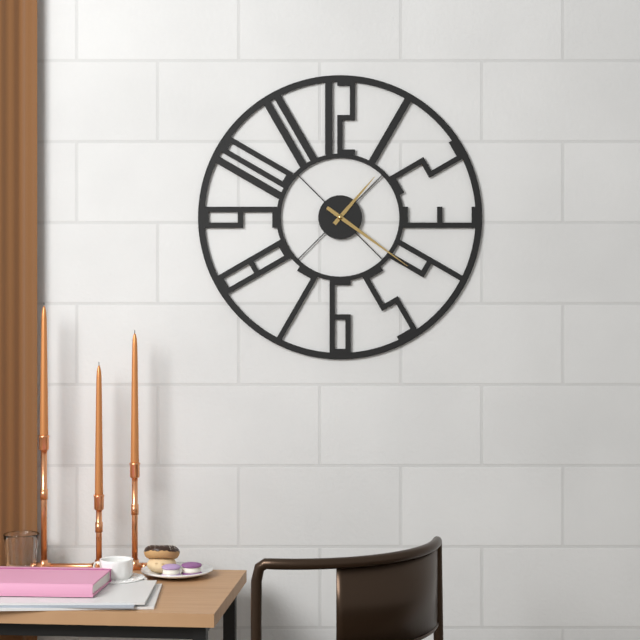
1:21
